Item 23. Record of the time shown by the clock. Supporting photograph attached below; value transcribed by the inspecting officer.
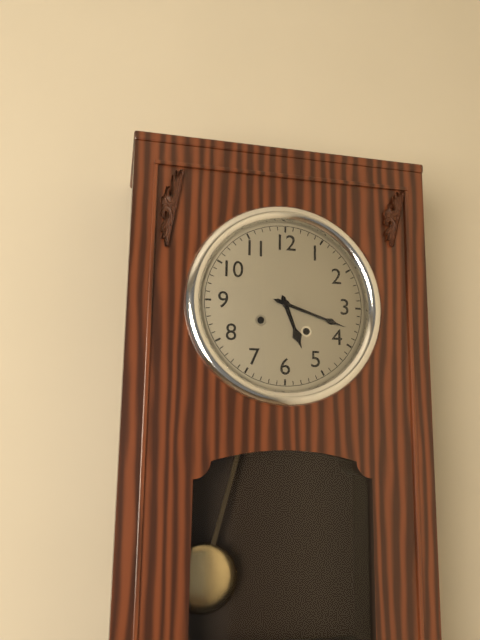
5:18
